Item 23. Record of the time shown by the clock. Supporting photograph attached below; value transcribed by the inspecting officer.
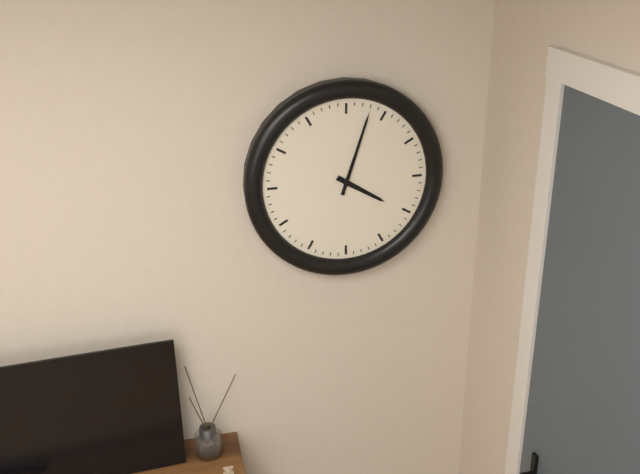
4:03
